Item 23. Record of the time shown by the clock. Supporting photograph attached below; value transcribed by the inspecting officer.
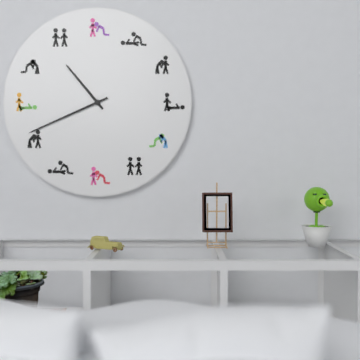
10:41
